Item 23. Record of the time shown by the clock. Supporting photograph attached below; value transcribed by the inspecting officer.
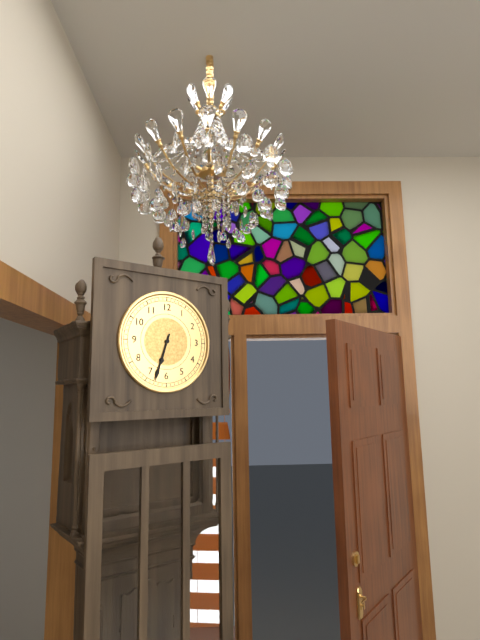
6:33
